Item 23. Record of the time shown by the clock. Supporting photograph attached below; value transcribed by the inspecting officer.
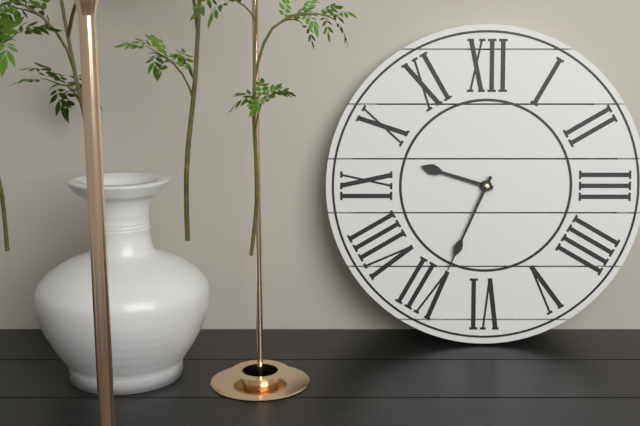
9:34
